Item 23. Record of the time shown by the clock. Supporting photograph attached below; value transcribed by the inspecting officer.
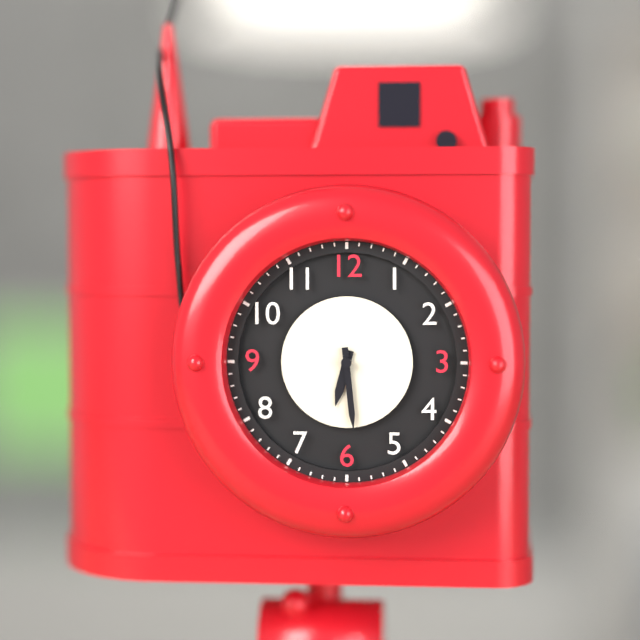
6:29
